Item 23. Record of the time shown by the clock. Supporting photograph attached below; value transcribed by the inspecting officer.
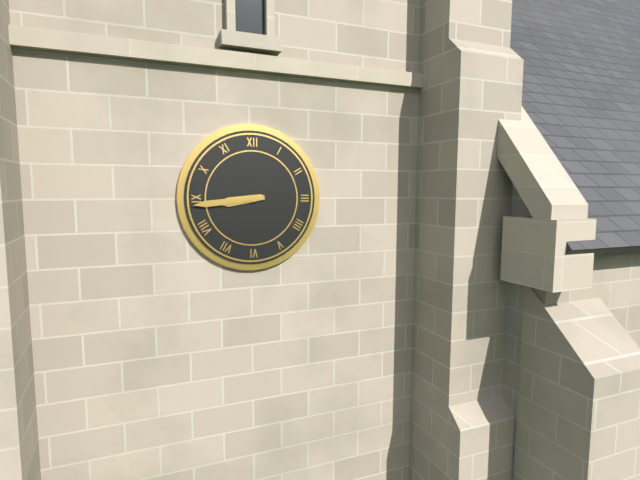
8:44
